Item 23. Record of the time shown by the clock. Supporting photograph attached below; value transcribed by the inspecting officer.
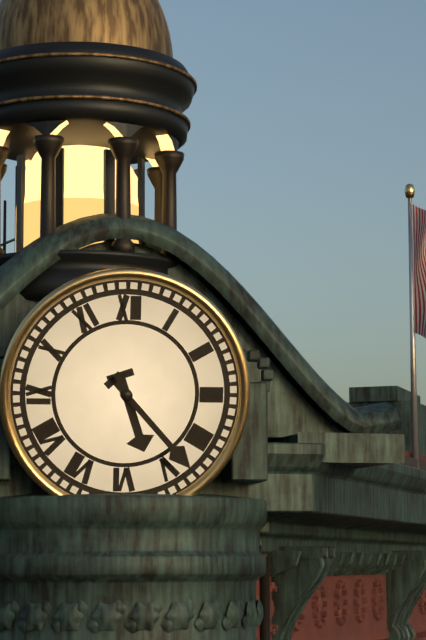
5:23
